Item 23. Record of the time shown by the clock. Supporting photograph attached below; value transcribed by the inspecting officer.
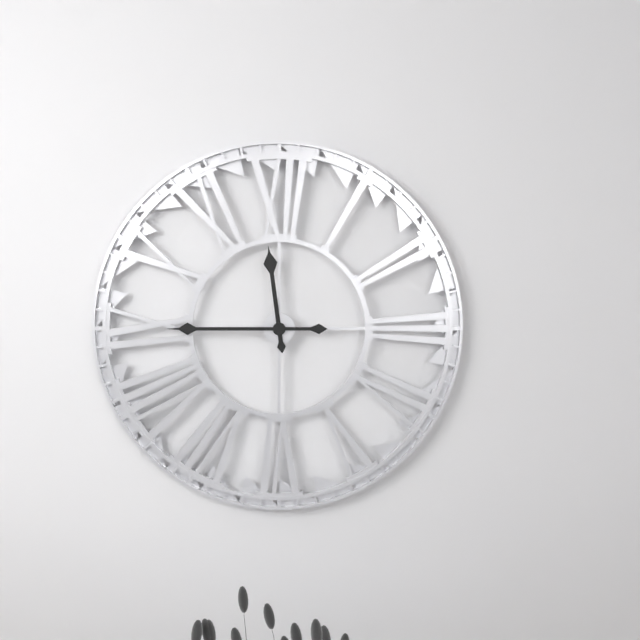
11:45
